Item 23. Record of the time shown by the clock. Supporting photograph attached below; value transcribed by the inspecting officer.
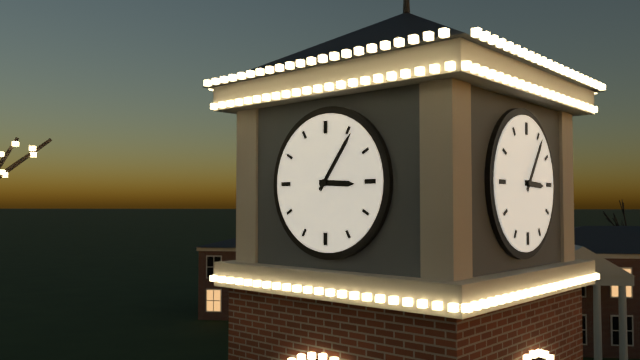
3:06
